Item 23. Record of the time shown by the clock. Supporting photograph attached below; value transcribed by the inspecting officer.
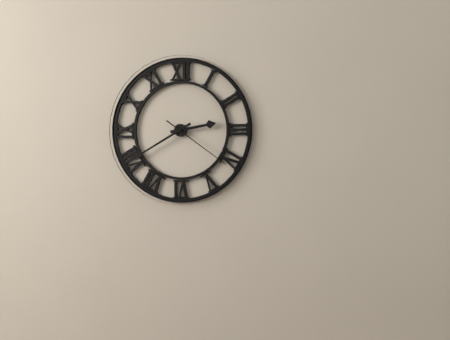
2:40:21
